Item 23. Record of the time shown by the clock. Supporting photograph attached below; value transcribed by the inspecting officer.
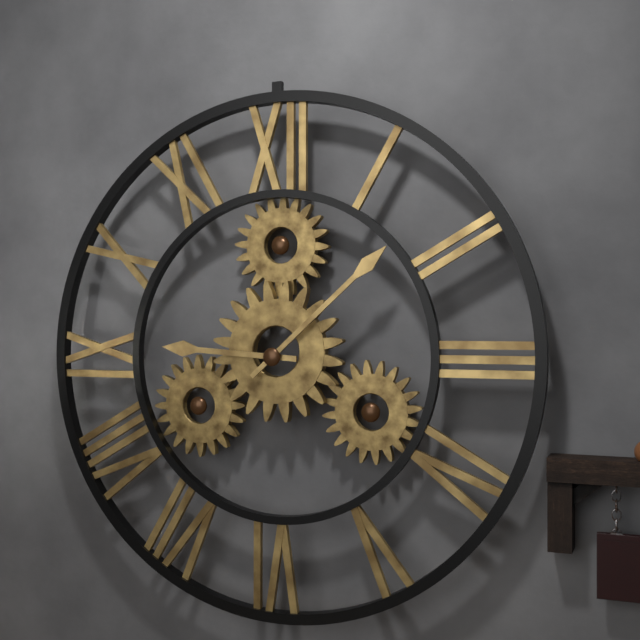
9:08
